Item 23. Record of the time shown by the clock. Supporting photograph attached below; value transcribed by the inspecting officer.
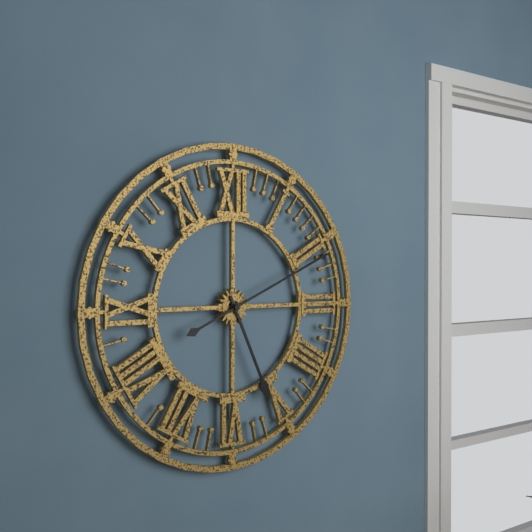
5:11
